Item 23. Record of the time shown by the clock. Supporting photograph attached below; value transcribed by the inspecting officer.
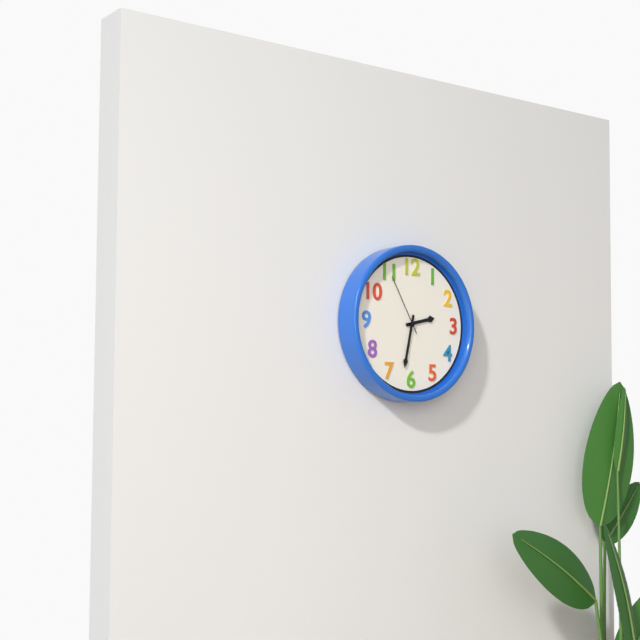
2:32:55
